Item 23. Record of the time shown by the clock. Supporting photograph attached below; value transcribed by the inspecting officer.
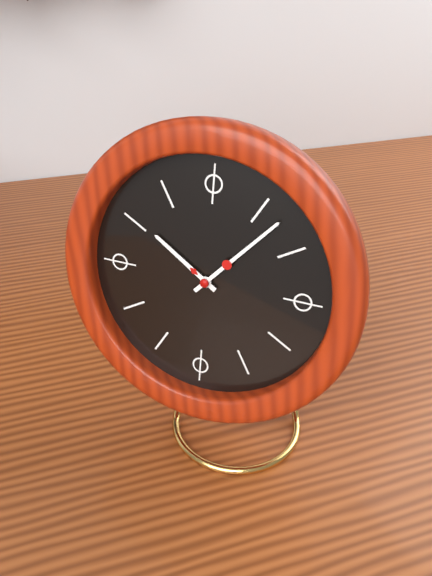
10:07
